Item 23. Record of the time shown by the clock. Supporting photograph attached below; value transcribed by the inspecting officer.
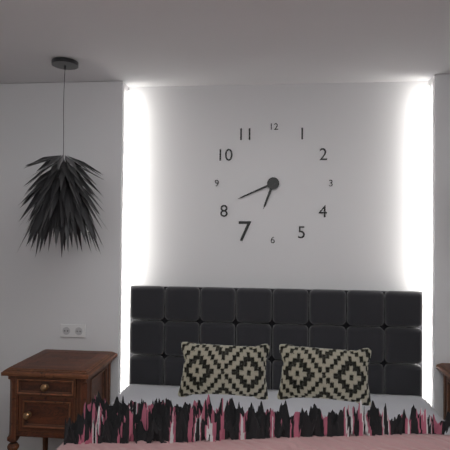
6:41
